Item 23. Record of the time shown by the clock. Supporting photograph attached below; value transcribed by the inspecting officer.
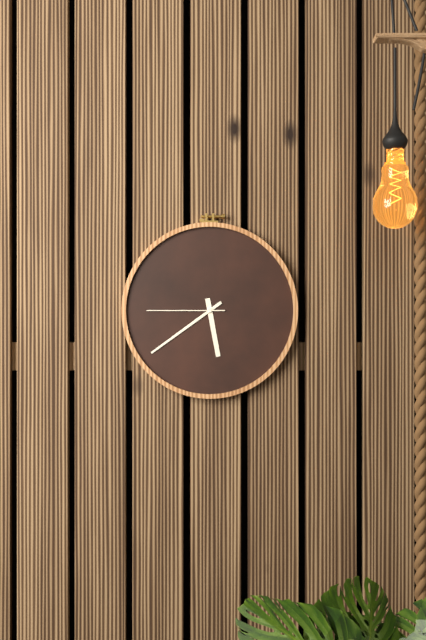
5:39:45
